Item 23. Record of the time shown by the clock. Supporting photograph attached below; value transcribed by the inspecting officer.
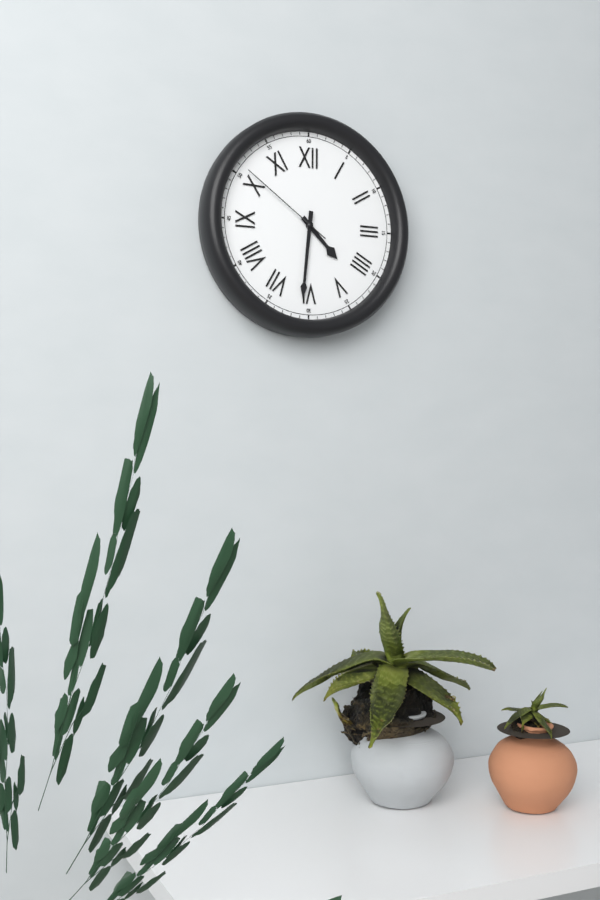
4:31:51
